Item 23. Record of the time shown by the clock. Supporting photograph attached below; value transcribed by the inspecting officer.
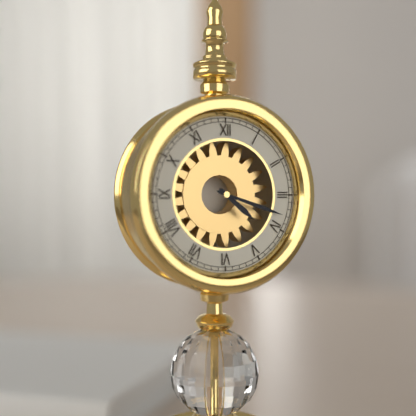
4:18
